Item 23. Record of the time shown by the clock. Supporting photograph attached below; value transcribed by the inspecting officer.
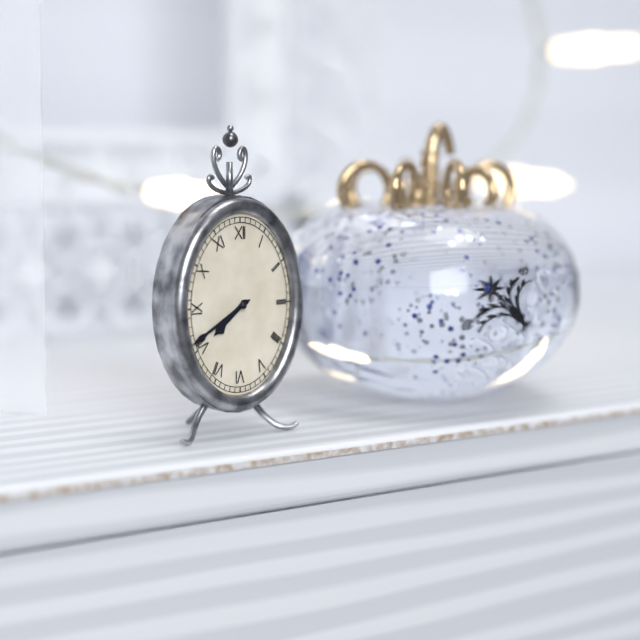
7:40
